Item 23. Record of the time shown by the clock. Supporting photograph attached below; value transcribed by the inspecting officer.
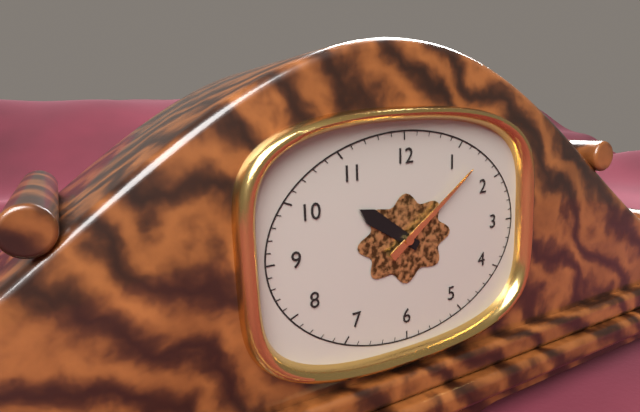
10:09
